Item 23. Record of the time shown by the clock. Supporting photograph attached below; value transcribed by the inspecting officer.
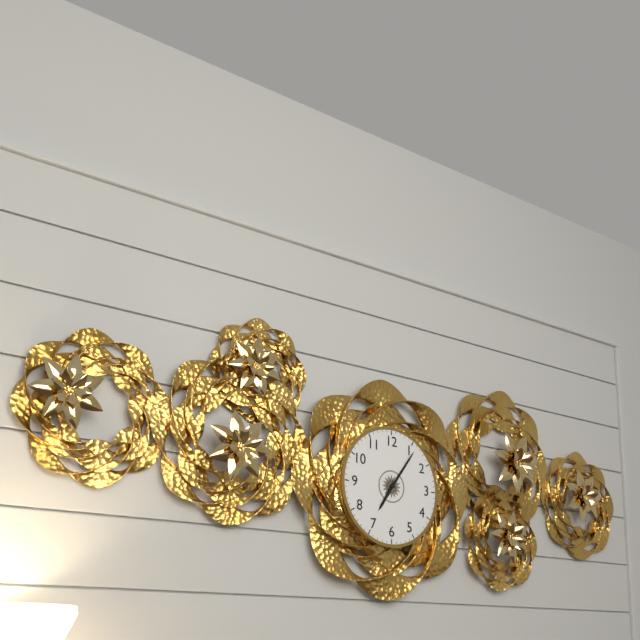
7:06
